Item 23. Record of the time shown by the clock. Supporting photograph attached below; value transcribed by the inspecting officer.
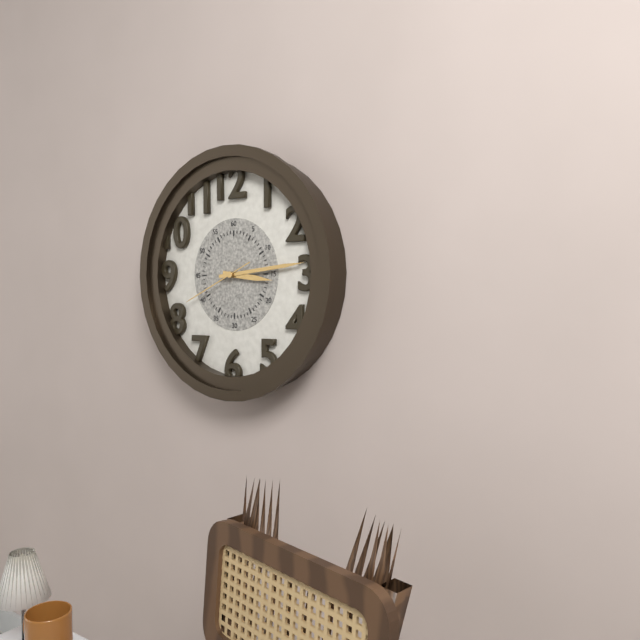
3:14:41
